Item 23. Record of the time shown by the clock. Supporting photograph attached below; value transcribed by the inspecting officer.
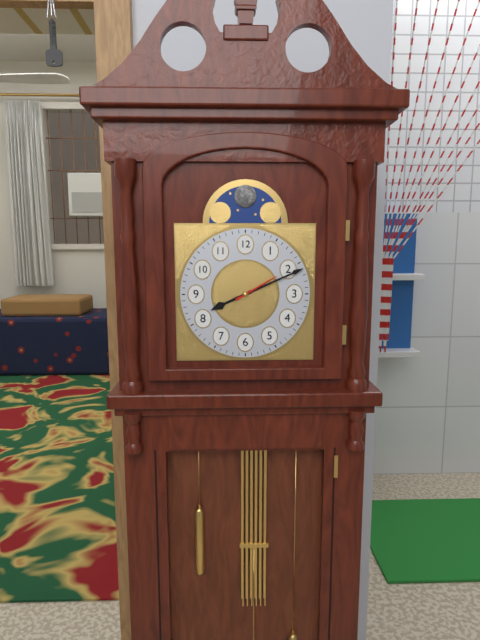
8:11
